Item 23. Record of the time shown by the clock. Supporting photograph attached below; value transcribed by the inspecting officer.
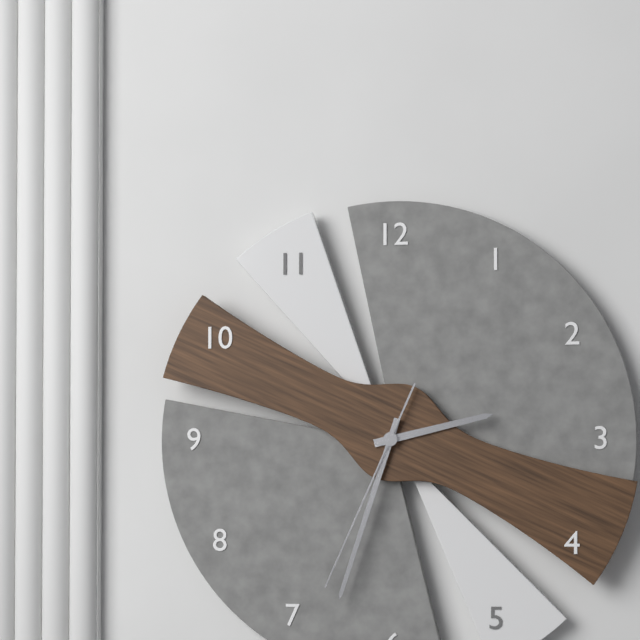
2:33:34
